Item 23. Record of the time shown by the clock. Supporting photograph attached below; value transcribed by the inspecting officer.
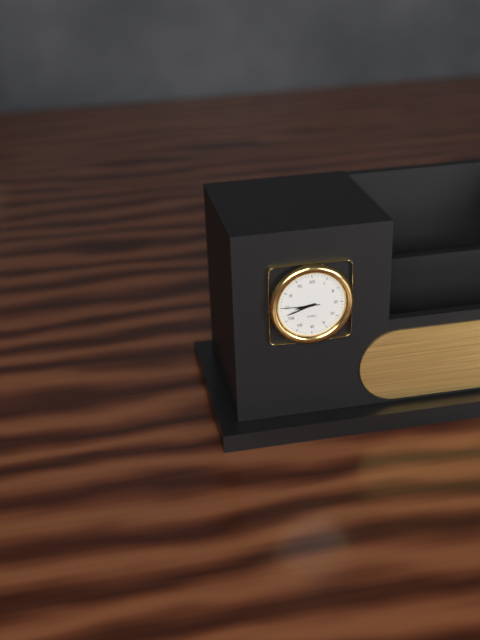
8:42
